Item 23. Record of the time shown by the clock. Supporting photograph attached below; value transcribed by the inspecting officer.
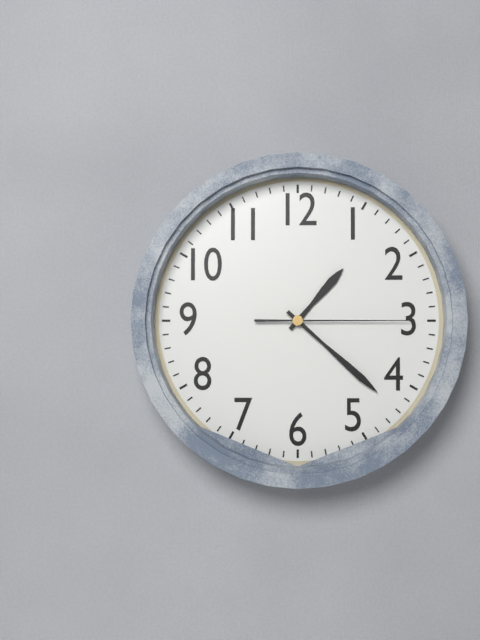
1:22:15
